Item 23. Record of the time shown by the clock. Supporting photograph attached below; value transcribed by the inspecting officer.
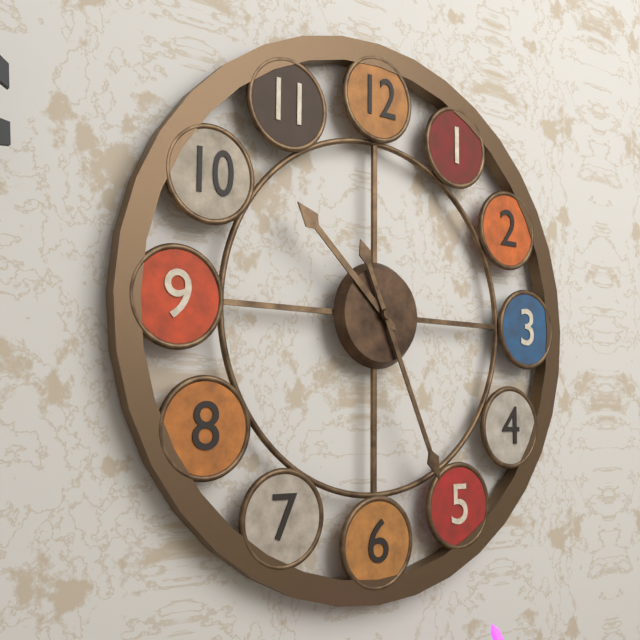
10:26
